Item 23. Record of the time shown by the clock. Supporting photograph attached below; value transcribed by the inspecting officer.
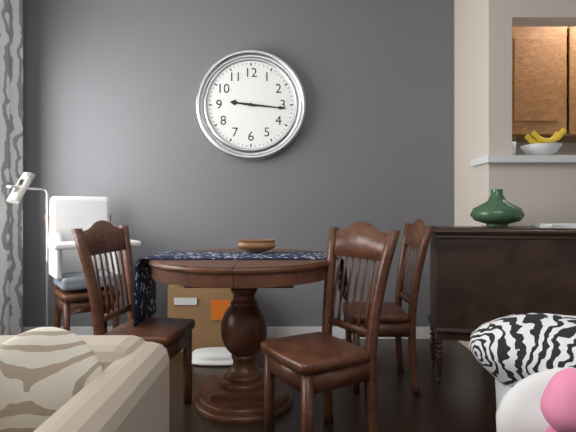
9:16
